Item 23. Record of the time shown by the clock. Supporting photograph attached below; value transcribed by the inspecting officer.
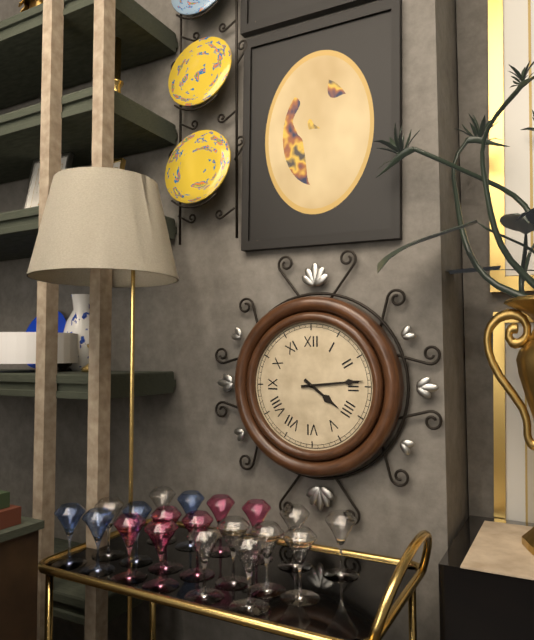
4:14
